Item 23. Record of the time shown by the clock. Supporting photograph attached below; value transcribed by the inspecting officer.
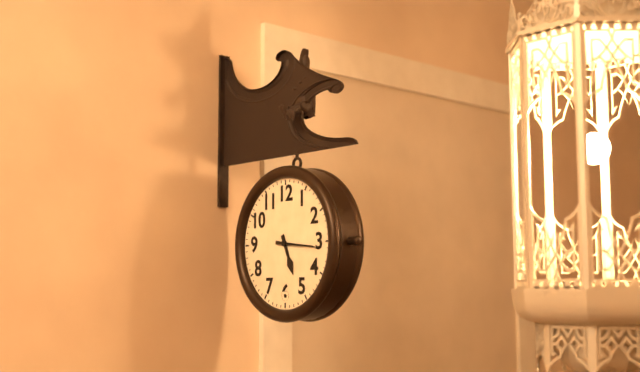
5:16
